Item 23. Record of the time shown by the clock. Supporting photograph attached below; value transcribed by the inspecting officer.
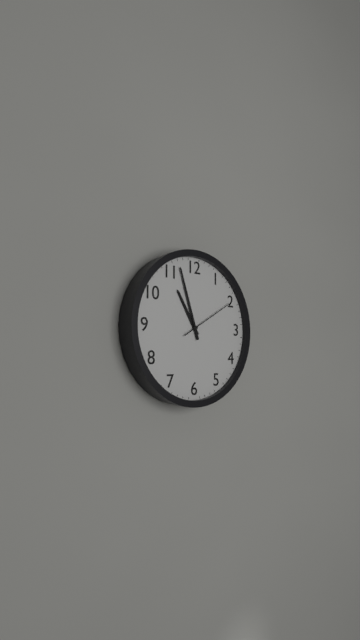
10:57:10
